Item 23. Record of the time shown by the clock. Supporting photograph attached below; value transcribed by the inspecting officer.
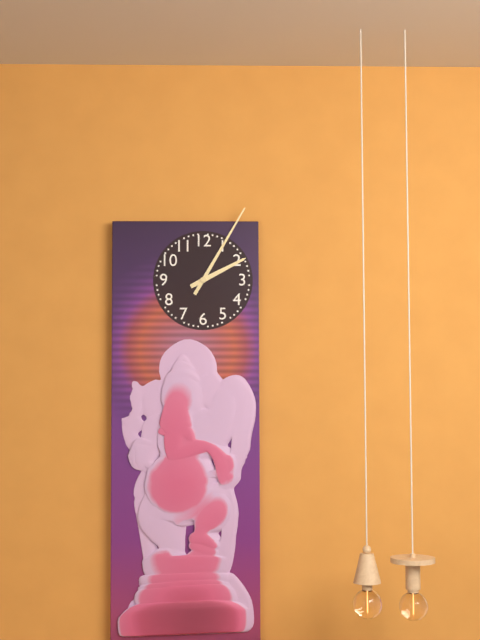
2:05
